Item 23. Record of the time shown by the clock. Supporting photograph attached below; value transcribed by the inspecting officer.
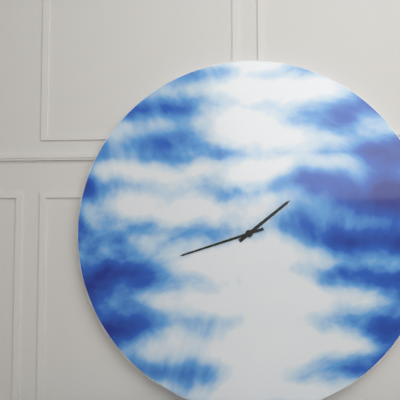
1:42
